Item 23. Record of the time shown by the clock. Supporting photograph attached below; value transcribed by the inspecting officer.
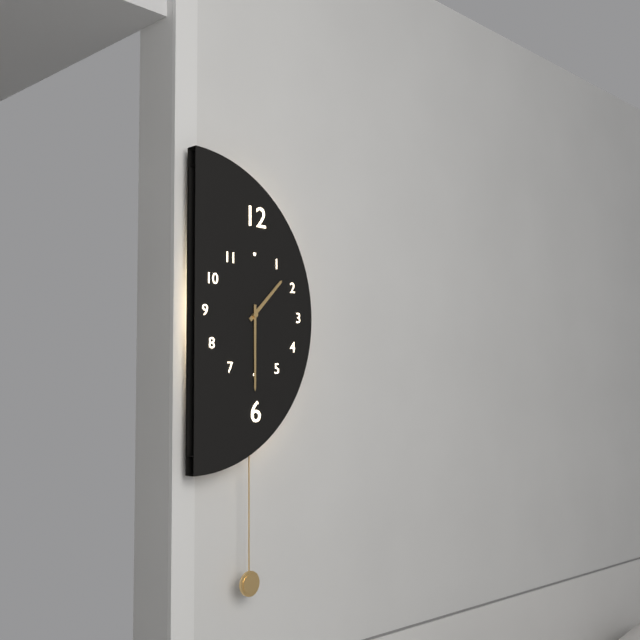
1:30
